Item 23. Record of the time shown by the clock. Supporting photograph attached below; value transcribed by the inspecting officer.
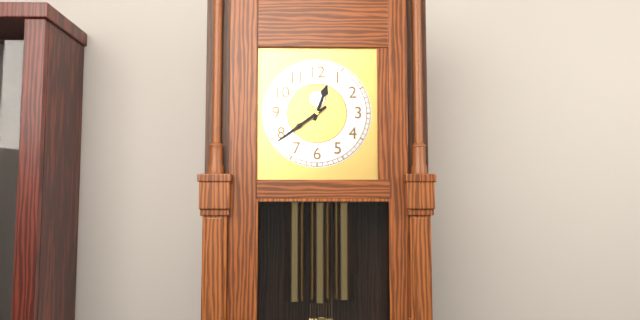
12:39
